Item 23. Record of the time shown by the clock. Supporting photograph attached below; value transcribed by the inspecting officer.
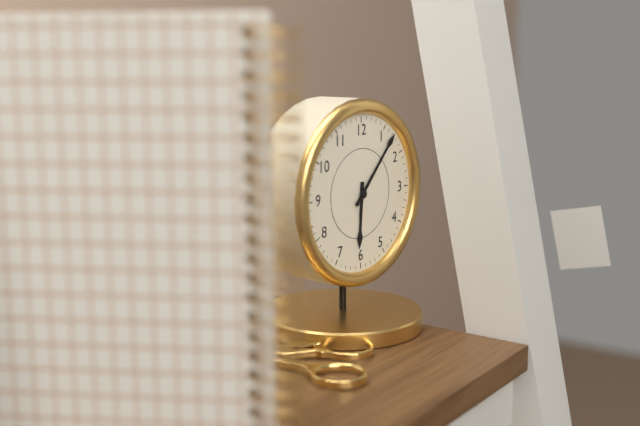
6:07
